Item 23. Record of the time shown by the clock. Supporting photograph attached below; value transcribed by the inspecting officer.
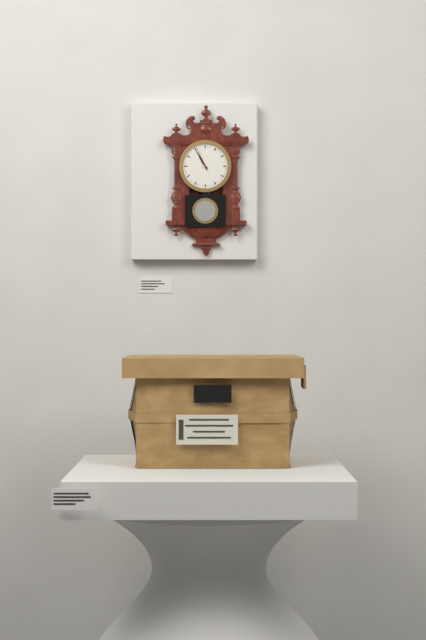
10:55
